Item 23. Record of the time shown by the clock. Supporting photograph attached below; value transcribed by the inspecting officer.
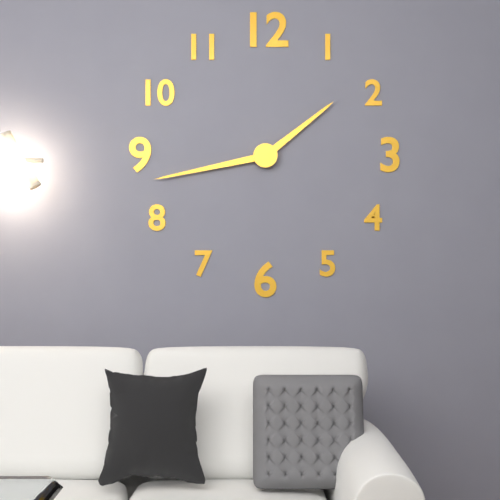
1:43
